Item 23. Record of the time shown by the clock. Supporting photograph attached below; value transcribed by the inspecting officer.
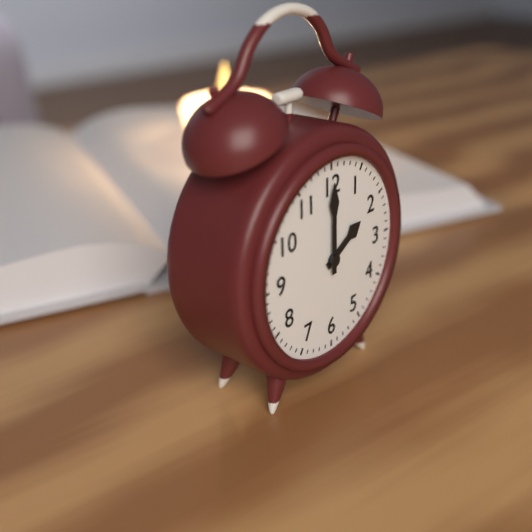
2:00
